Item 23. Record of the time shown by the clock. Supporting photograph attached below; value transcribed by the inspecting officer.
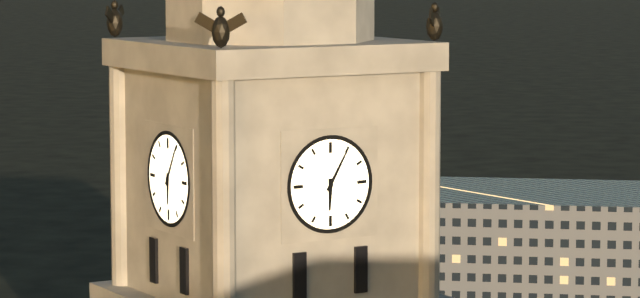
6:05
